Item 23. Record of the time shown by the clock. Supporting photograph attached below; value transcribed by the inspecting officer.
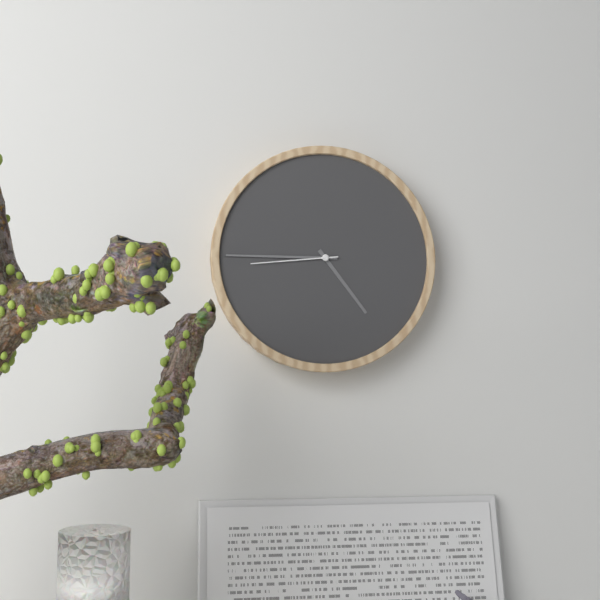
4:45:44
